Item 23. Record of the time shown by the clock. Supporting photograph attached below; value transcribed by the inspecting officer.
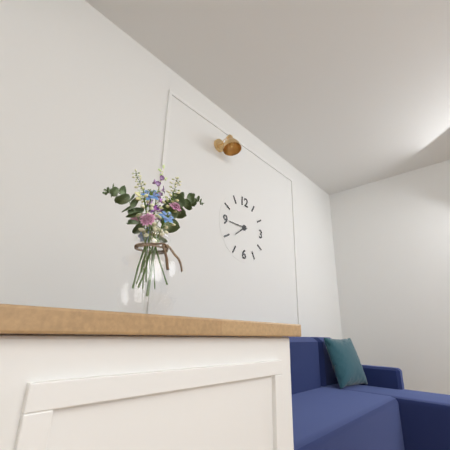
7:45
